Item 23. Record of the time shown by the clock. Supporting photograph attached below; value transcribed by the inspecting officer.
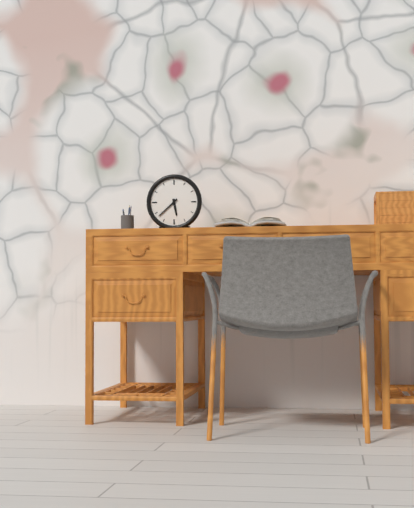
5:38
